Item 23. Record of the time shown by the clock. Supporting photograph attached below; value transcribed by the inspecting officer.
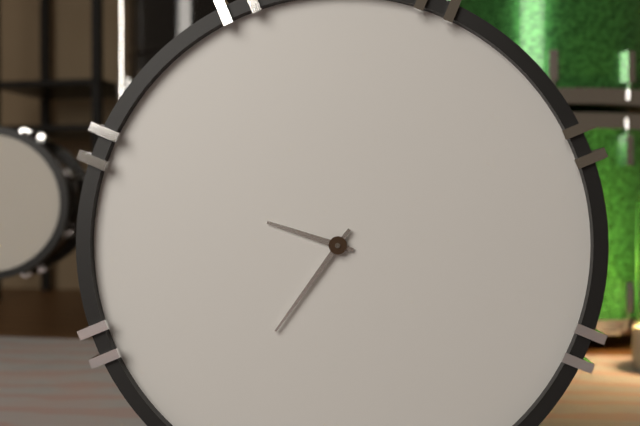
9:36
